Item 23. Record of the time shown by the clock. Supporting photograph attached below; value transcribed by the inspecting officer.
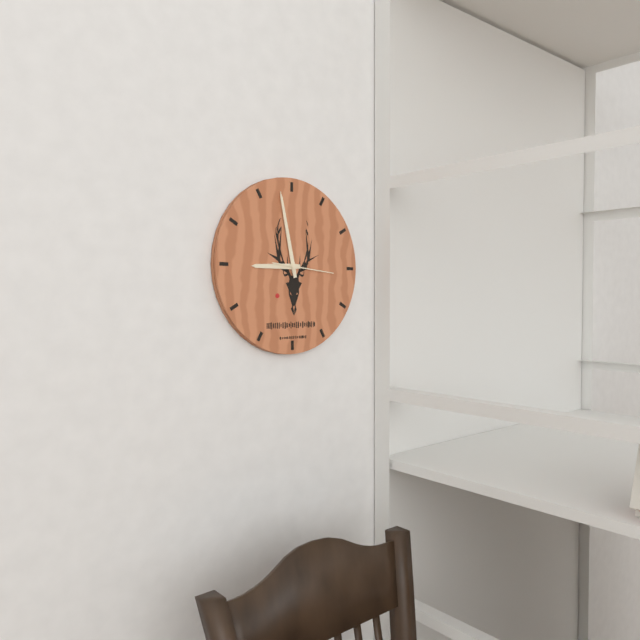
8:58:16
